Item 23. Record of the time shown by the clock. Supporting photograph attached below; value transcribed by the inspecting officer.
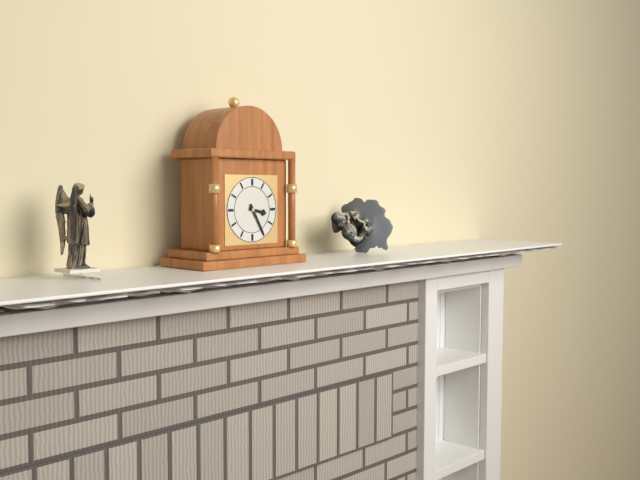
3:25
